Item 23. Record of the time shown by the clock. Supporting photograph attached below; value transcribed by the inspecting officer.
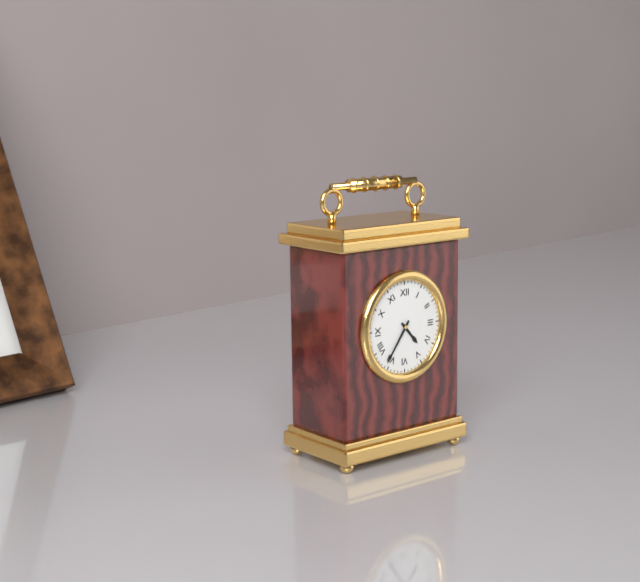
4:36
